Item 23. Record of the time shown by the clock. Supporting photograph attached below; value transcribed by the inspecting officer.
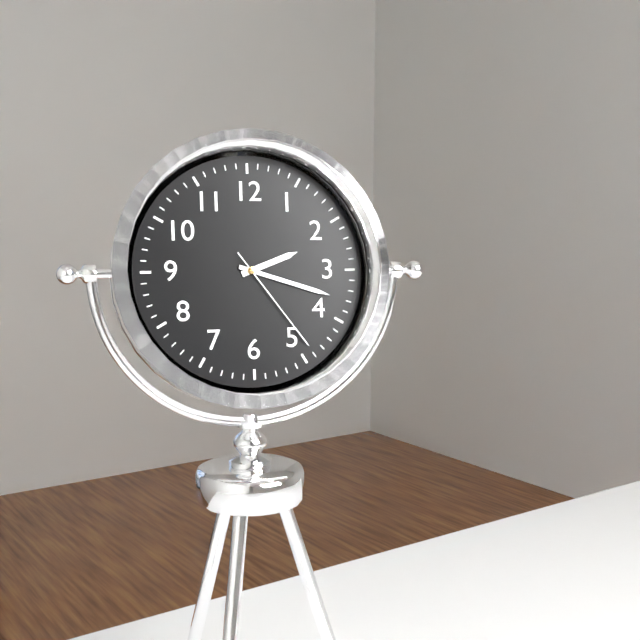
2:18:24
